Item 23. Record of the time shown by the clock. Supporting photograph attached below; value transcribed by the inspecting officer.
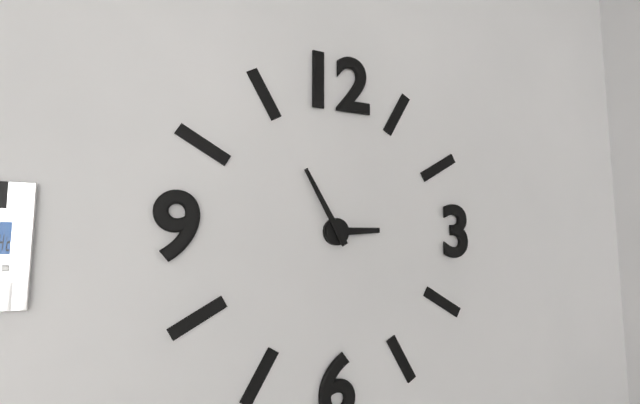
2:55
